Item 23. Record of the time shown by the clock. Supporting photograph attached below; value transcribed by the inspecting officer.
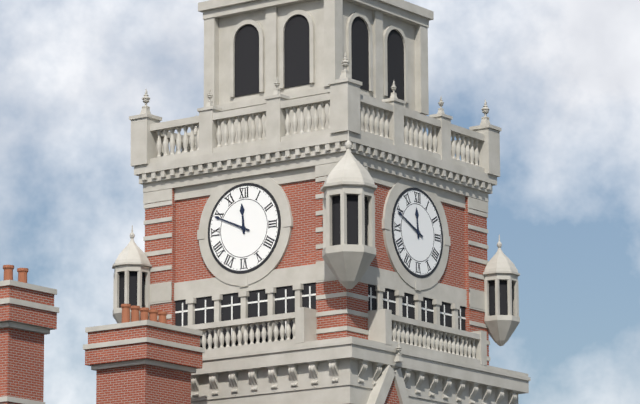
11:49
